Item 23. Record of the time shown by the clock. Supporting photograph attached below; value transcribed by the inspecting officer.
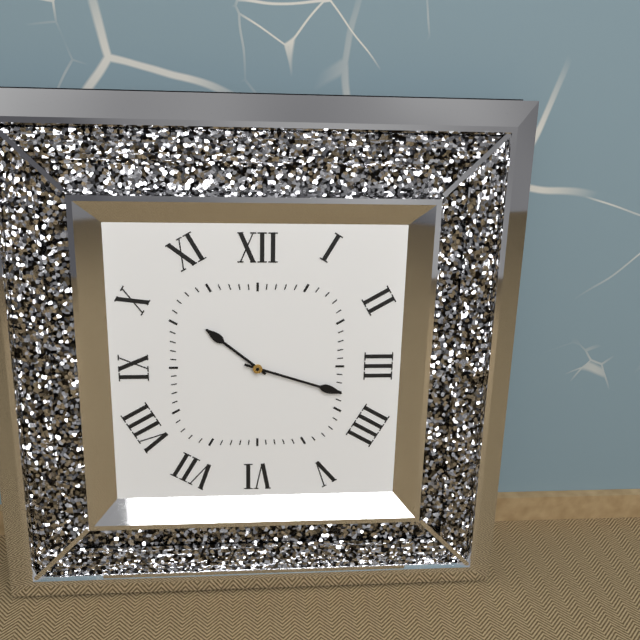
10:18
